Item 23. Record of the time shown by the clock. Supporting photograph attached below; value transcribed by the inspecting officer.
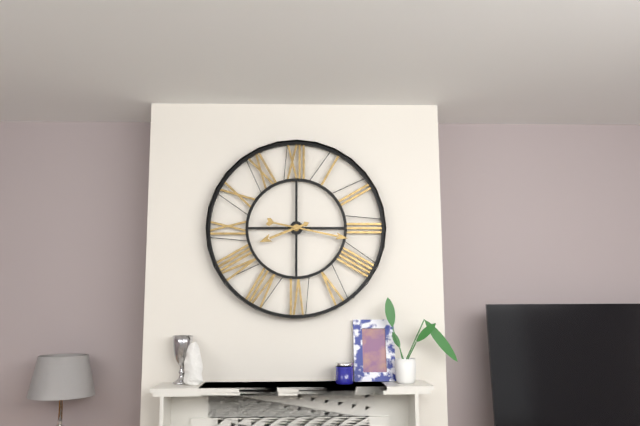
8:17
